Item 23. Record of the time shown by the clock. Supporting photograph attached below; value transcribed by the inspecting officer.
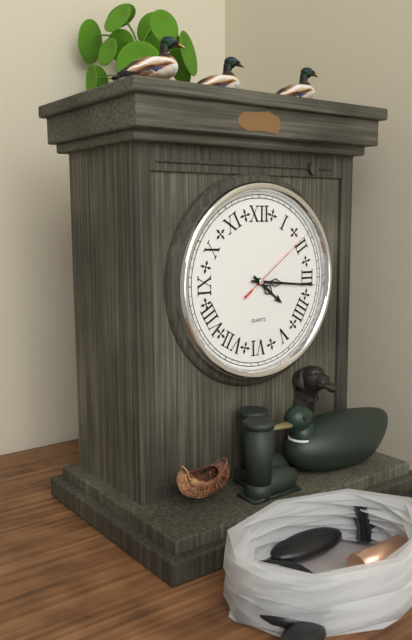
4:16:09
